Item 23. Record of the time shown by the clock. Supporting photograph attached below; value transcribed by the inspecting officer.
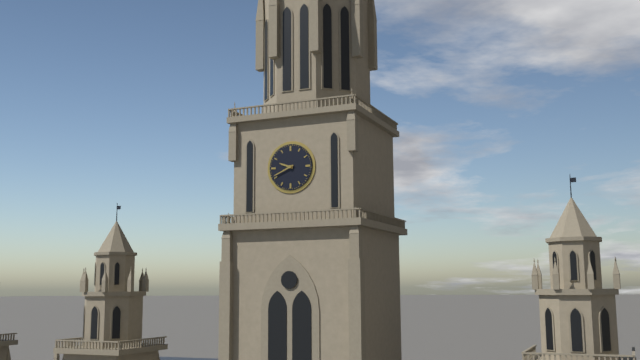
9:41
